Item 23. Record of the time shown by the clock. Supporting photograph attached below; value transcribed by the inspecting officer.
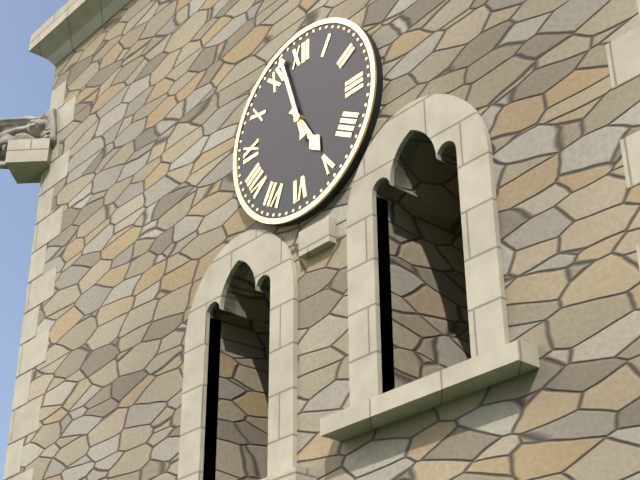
4:57
